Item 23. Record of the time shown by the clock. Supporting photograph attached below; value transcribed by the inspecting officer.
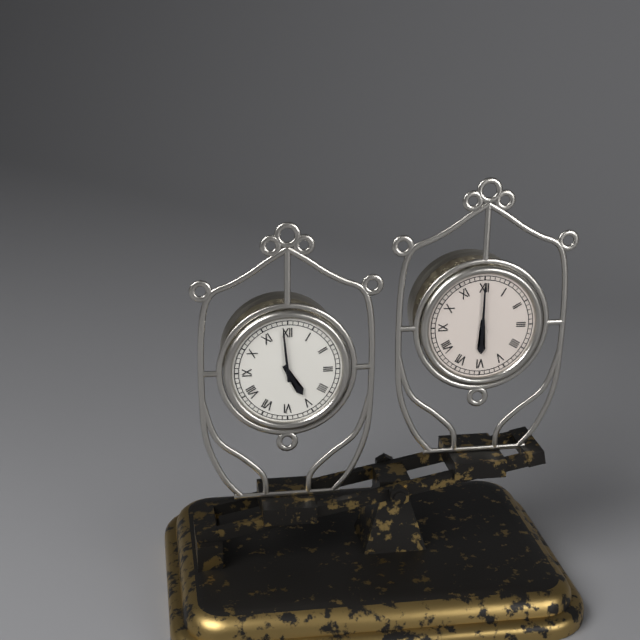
4:59
